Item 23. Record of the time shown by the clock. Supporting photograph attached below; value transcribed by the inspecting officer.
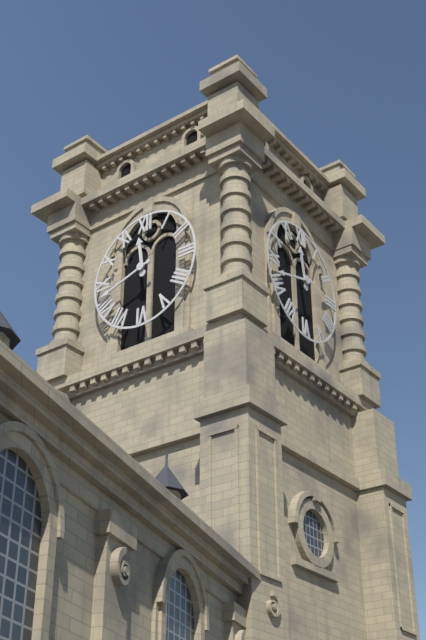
11:42
